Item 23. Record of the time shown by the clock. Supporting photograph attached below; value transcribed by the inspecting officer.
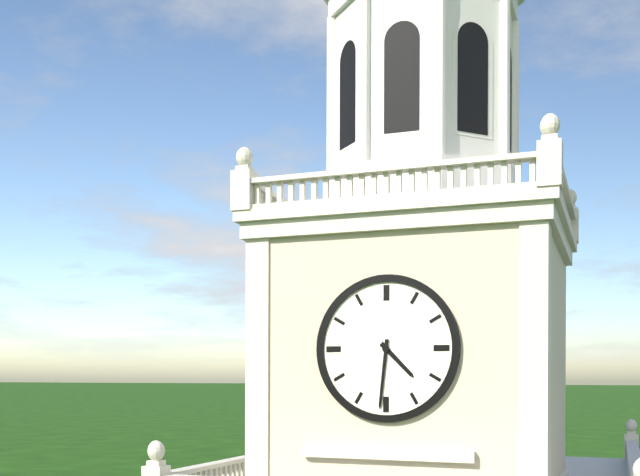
4:31
